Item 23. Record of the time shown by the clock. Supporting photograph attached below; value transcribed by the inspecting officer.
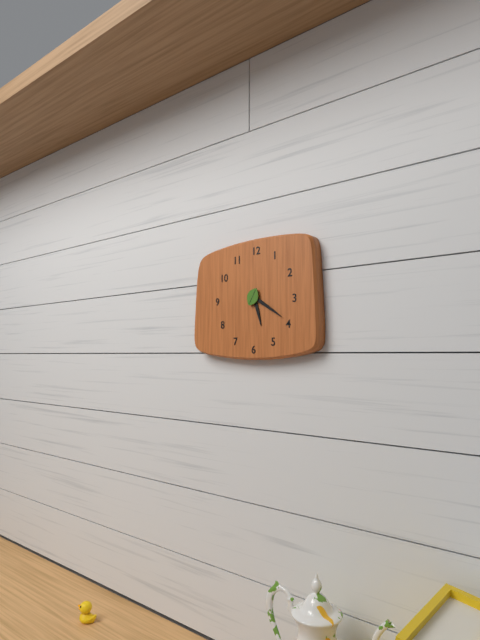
5:20
